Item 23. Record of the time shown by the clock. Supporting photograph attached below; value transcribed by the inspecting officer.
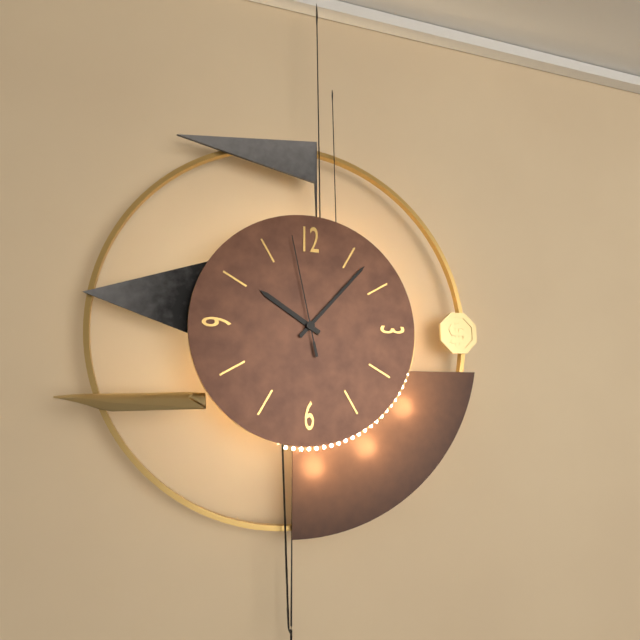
10:07:58
